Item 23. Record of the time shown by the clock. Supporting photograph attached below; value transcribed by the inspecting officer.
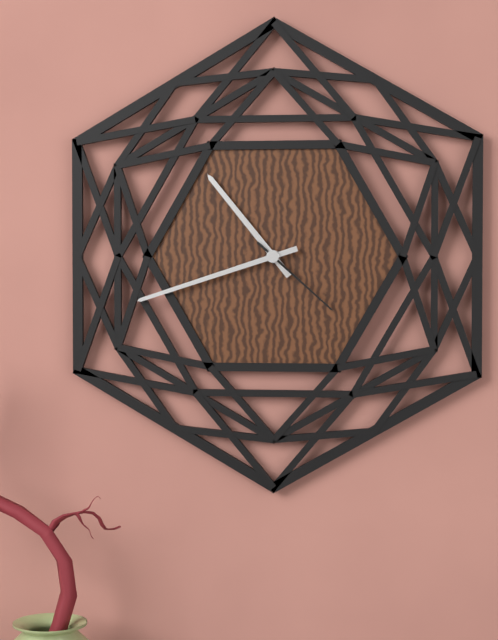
10:42:22
